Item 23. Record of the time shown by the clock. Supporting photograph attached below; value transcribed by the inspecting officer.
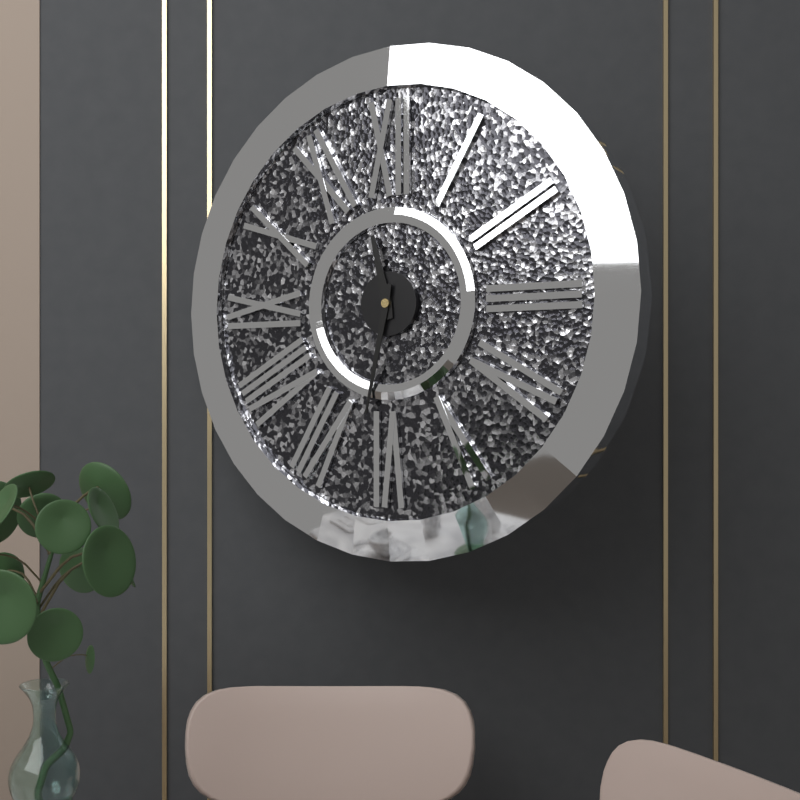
11:32
